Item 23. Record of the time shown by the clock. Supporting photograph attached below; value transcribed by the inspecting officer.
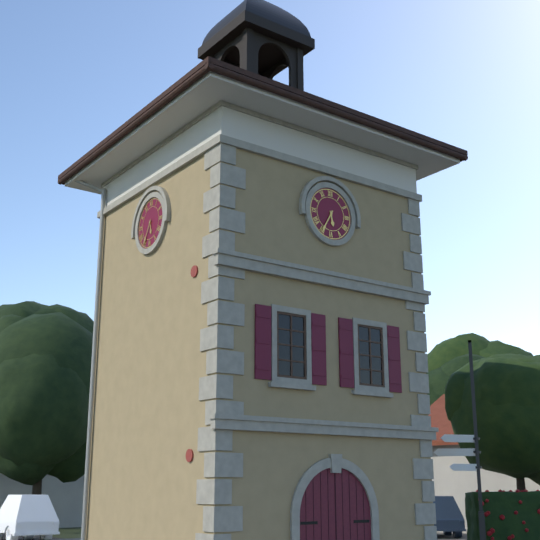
5:35
